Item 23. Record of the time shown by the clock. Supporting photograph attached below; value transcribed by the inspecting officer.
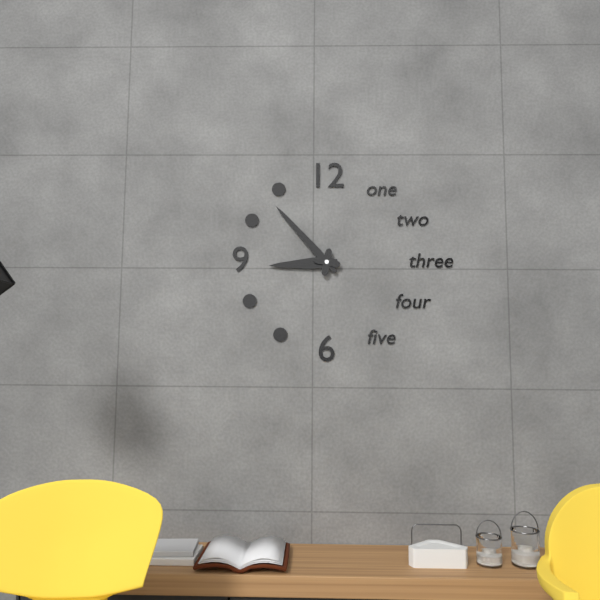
8:53
